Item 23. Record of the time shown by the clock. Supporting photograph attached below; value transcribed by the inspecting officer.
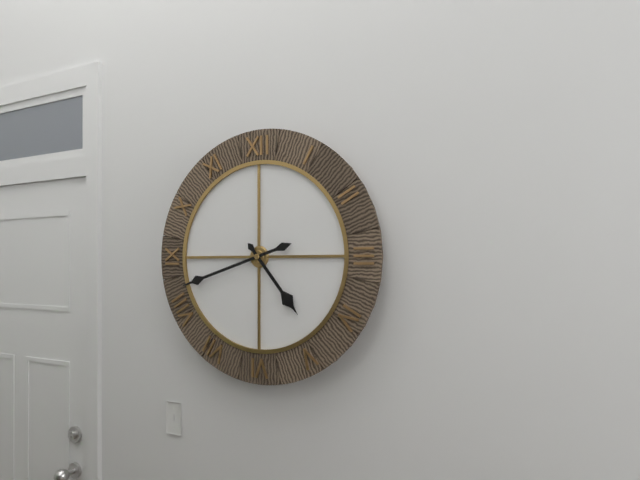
4:42
